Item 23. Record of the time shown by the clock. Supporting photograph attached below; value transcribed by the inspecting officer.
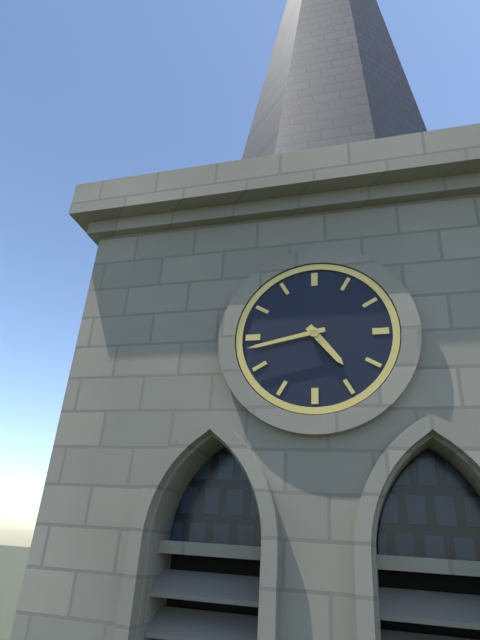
4:43
